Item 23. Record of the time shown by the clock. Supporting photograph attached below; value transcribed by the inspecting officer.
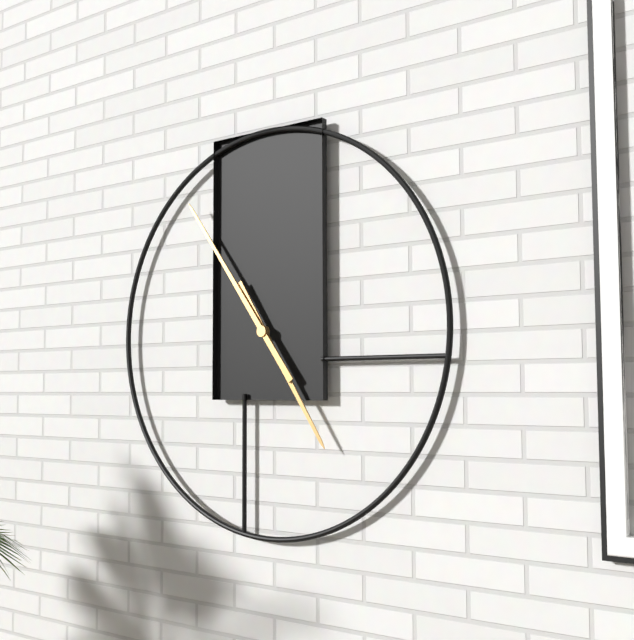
4:54
